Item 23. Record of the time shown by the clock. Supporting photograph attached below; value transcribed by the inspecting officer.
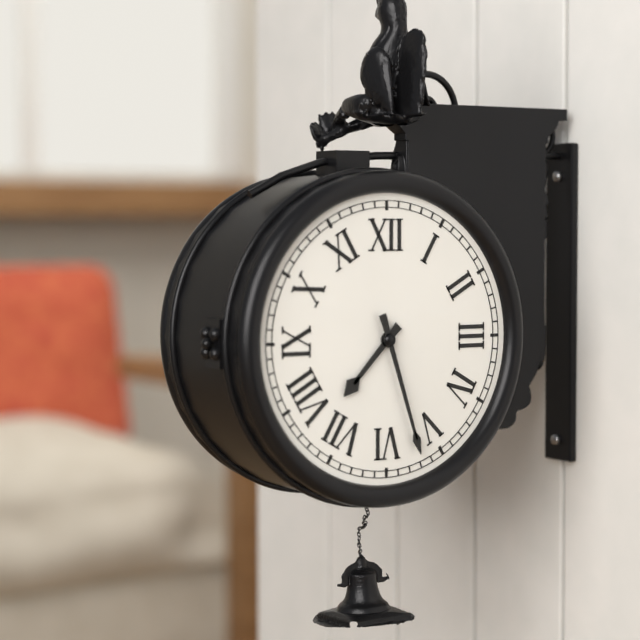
7:27
